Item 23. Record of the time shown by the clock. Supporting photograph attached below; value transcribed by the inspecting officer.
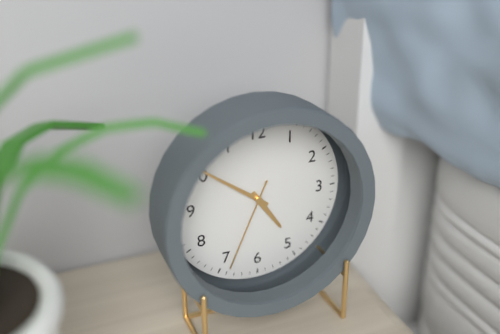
4:51:34
